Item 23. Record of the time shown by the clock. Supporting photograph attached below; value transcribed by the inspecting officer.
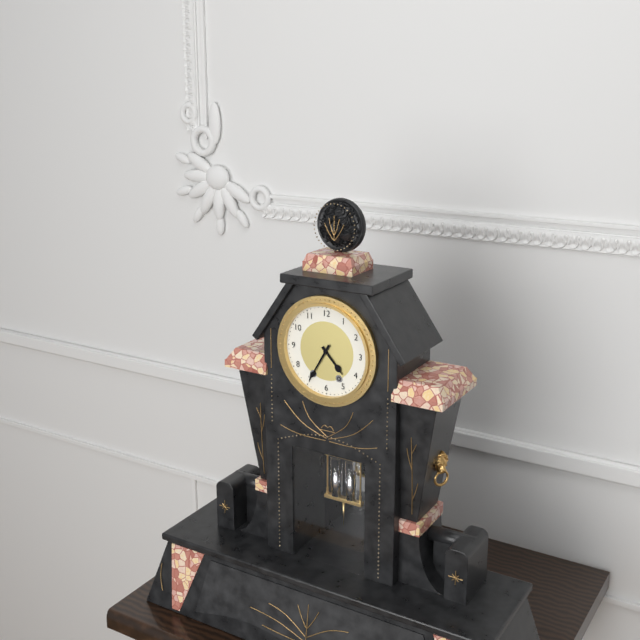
4:35
